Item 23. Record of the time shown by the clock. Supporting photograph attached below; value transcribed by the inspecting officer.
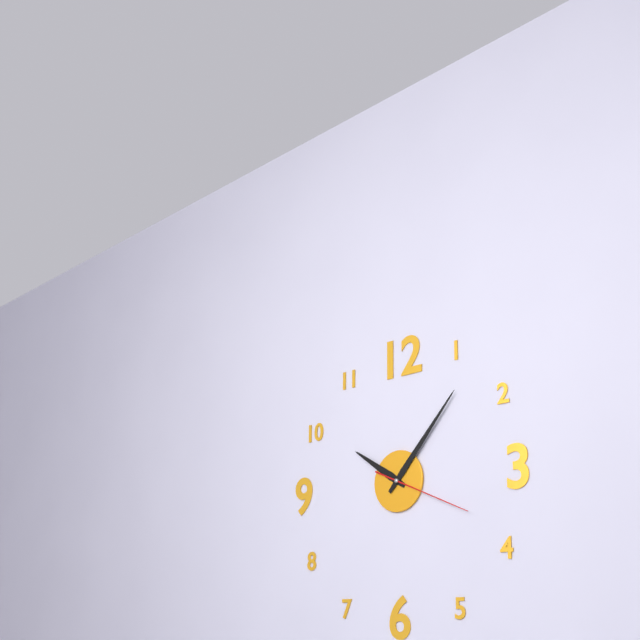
10:07:19
